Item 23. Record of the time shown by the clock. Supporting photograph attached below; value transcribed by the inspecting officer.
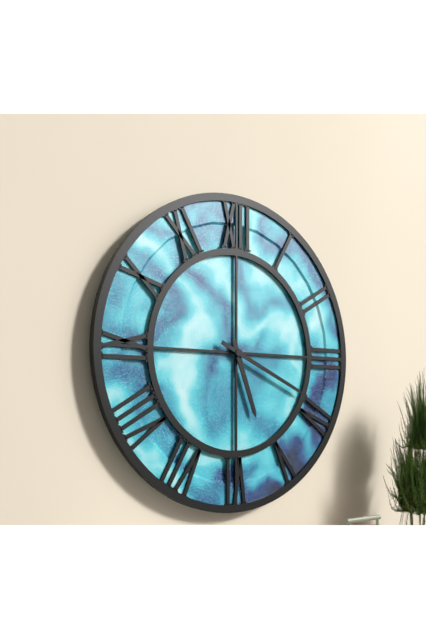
5:19
